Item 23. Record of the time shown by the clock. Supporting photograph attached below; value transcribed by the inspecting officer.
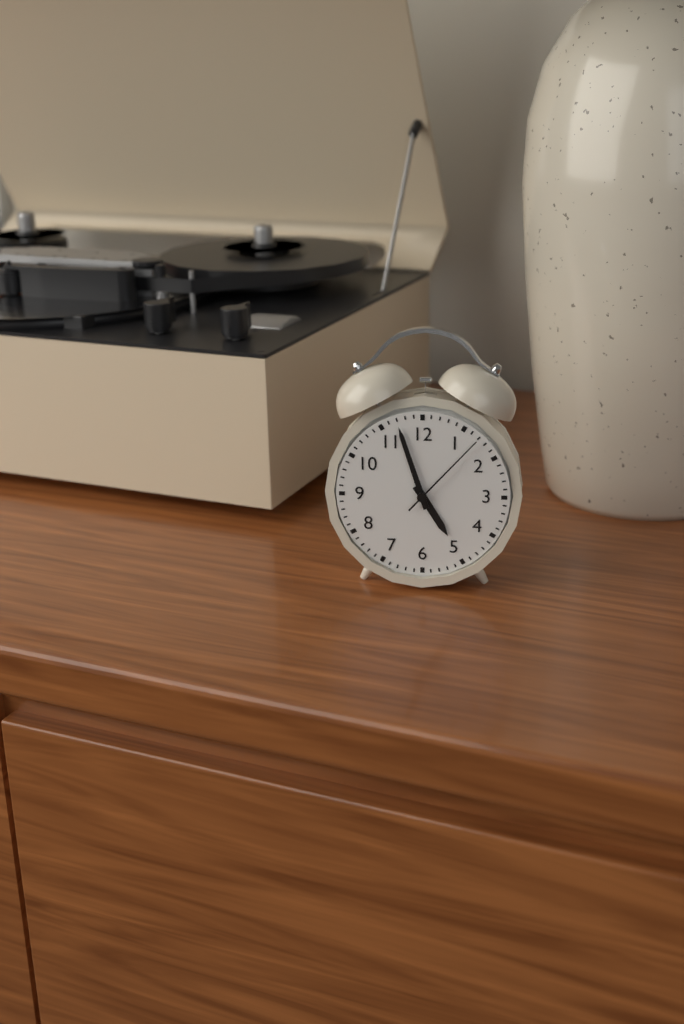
4:57:07
